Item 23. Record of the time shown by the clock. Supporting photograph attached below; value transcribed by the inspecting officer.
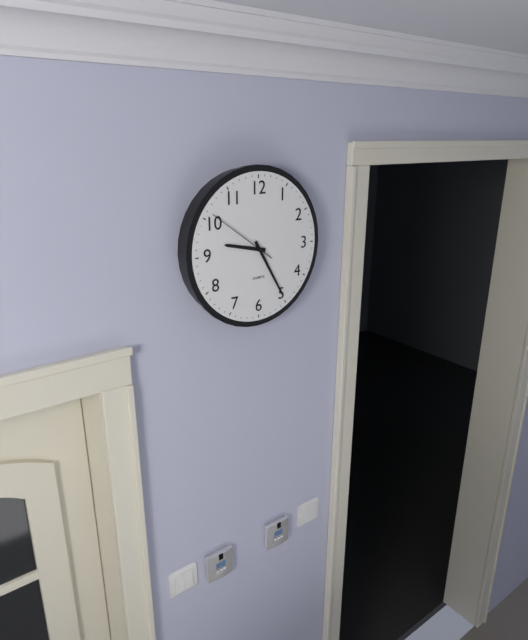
9:25:51
